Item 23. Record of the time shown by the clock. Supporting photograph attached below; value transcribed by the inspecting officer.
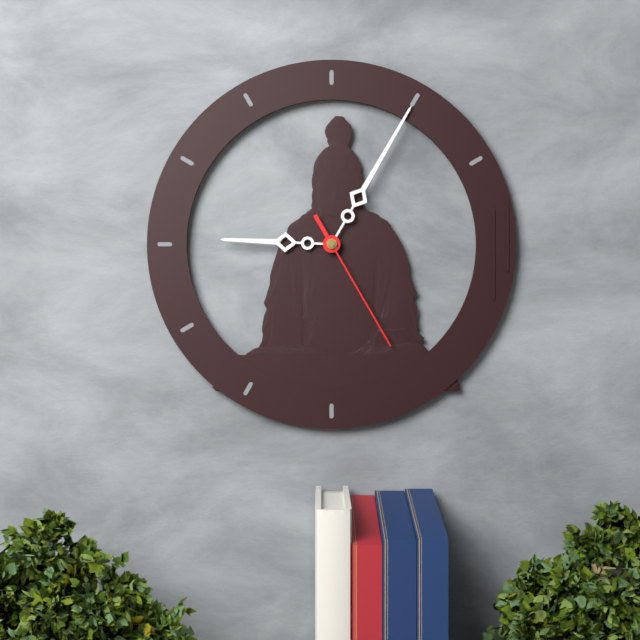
9:05:25
